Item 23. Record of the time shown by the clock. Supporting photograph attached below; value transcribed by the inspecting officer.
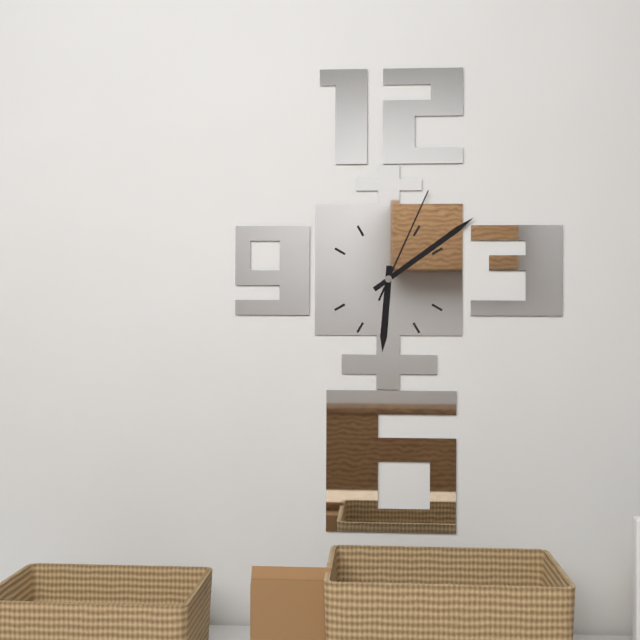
6:09:04
